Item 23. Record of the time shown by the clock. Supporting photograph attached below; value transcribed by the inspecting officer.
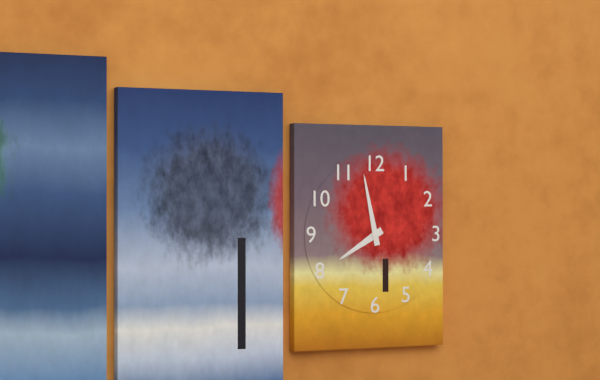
7:58
